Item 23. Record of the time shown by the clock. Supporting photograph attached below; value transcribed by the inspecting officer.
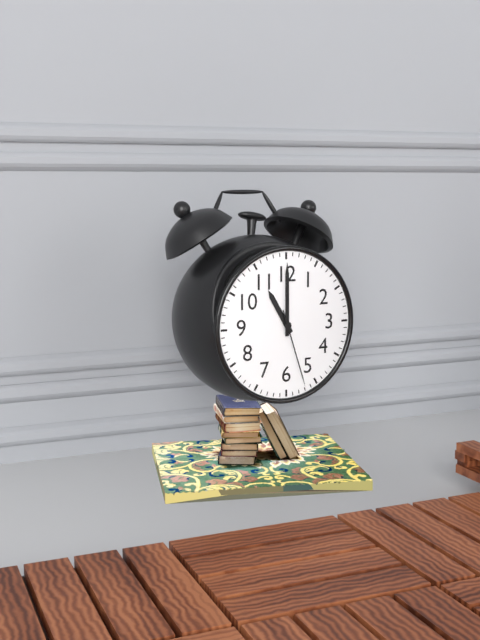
11:00:27
